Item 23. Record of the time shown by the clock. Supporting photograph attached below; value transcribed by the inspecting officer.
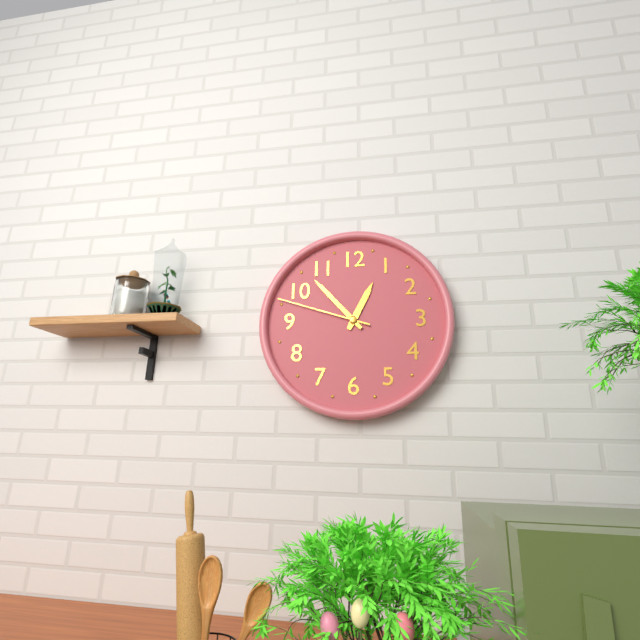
12:53:48
